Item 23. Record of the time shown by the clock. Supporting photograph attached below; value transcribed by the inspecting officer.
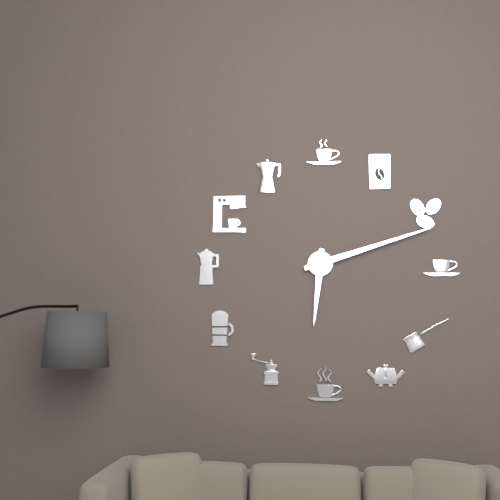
6:12
